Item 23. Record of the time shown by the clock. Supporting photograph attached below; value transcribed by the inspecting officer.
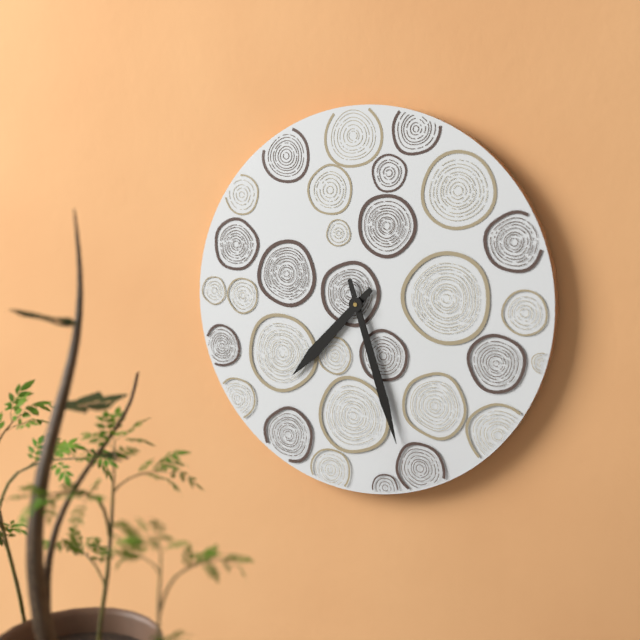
7:27
